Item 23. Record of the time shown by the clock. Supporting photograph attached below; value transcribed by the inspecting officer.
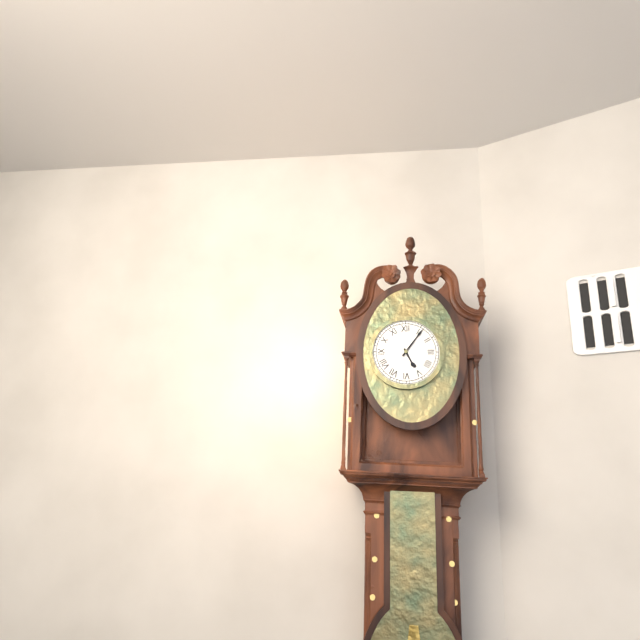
5:06
